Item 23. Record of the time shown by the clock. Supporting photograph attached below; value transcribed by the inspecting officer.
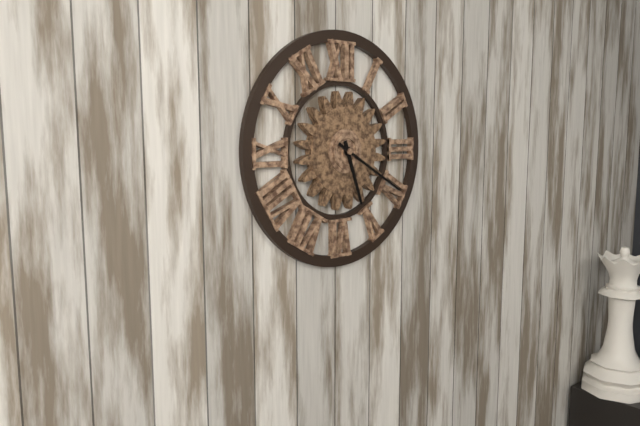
5:20
